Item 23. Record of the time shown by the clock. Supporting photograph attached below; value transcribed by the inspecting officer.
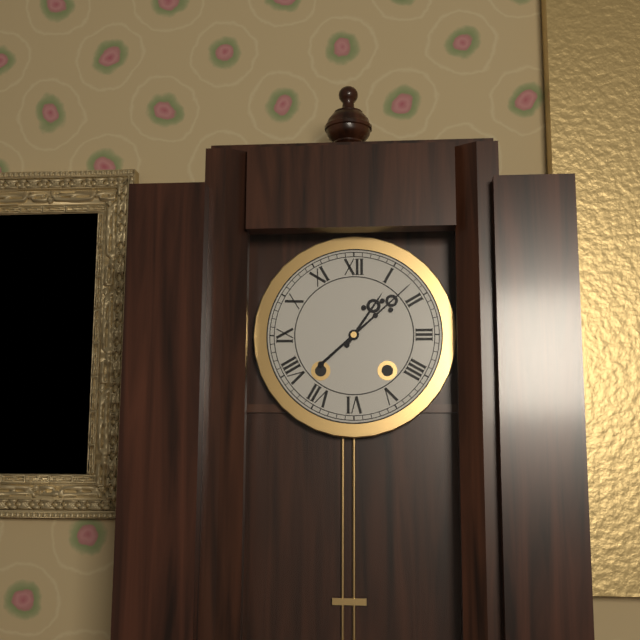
1:08
